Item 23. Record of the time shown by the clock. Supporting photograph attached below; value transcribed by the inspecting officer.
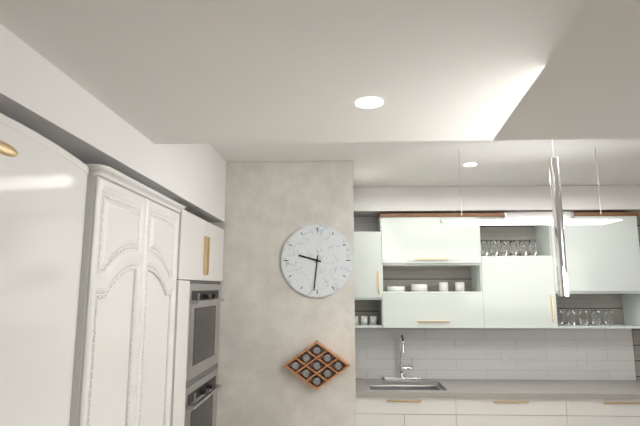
9:31
